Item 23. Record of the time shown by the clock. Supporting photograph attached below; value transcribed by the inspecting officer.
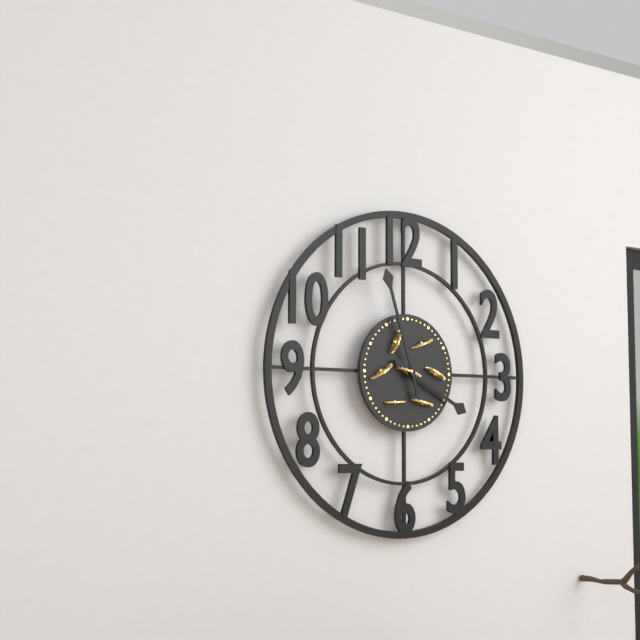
3:57
